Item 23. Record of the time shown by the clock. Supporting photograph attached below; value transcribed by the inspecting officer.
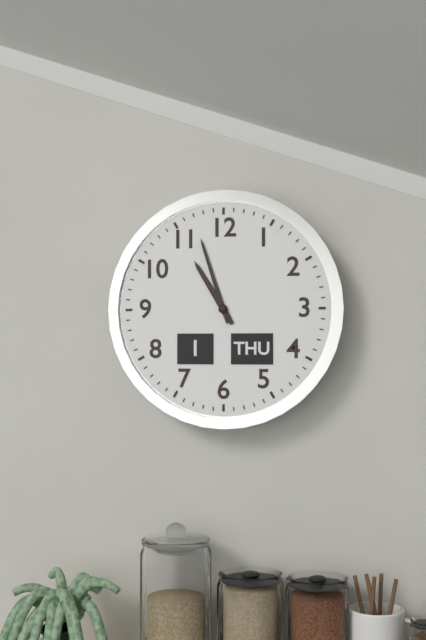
10:57
